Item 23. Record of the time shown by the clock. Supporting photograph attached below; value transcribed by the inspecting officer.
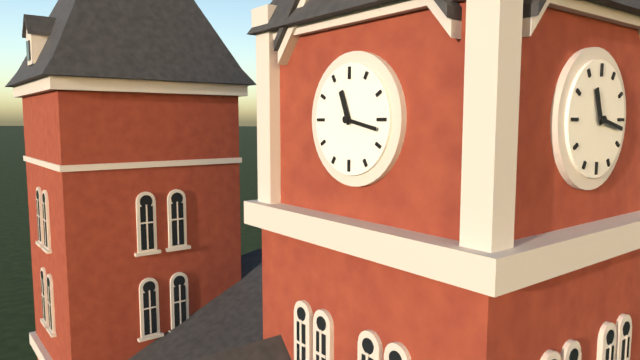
11:17
